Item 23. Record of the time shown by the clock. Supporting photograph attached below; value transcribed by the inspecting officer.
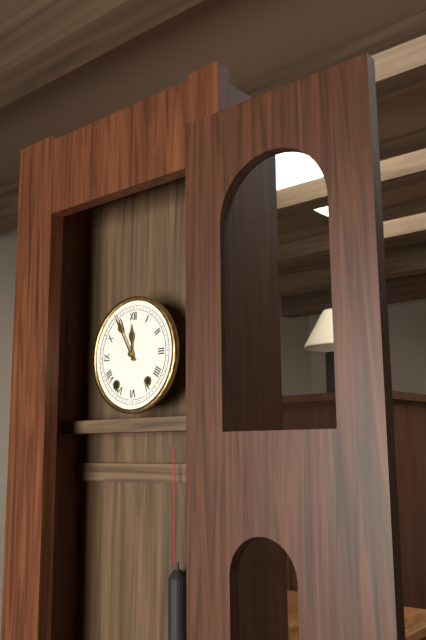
11:55
